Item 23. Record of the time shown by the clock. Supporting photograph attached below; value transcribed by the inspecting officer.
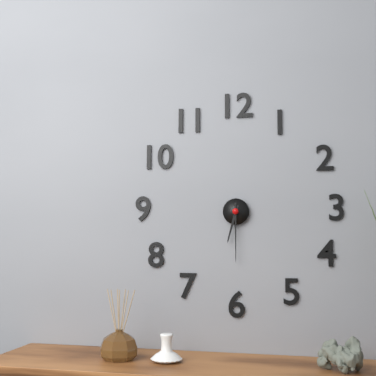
6:30
